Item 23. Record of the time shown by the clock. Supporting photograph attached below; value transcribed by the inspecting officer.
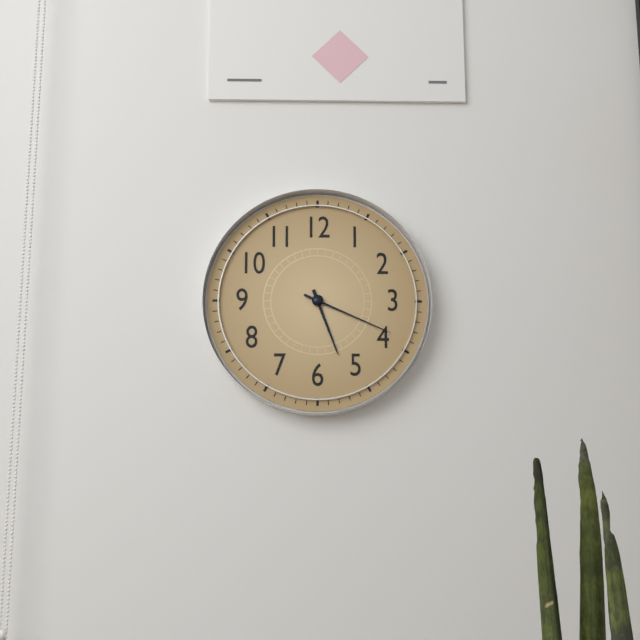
5:19
